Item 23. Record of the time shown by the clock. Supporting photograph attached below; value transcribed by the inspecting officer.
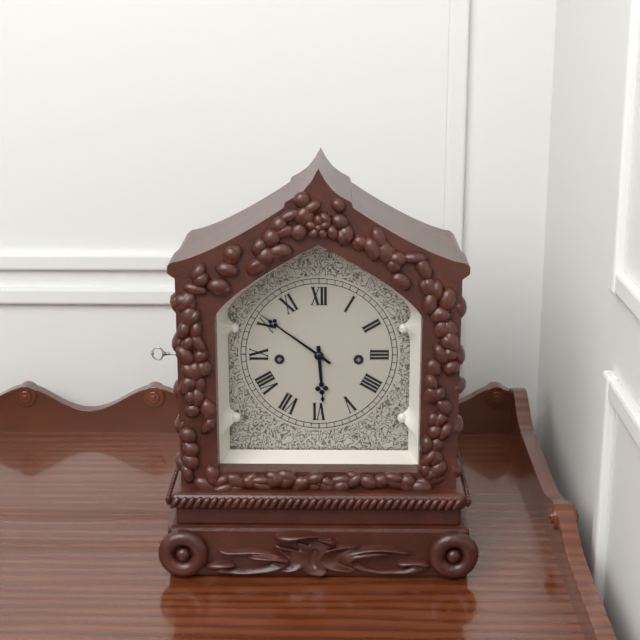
5:51
